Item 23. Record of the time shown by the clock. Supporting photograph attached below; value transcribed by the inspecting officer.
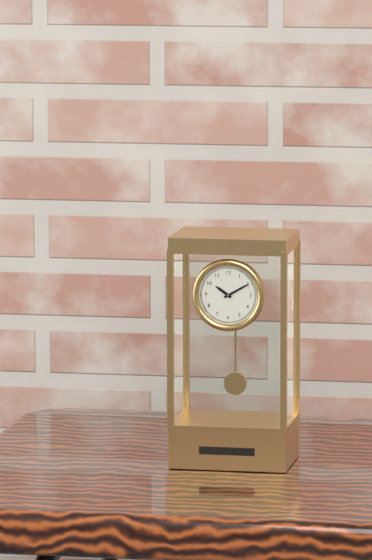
10:10
